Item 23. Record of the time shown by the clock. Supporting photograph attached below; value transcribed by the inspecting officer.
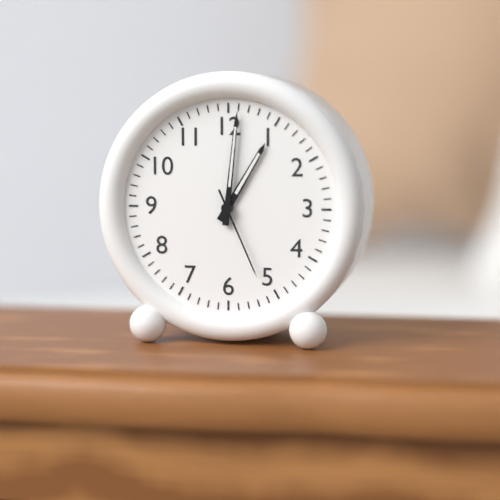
1:01:26
